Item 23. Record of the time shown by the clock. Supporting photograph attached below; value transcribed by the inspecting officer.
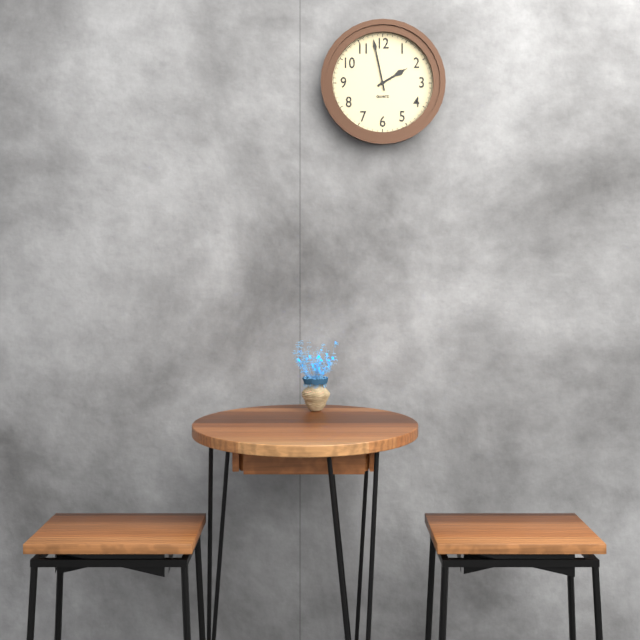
1:58
